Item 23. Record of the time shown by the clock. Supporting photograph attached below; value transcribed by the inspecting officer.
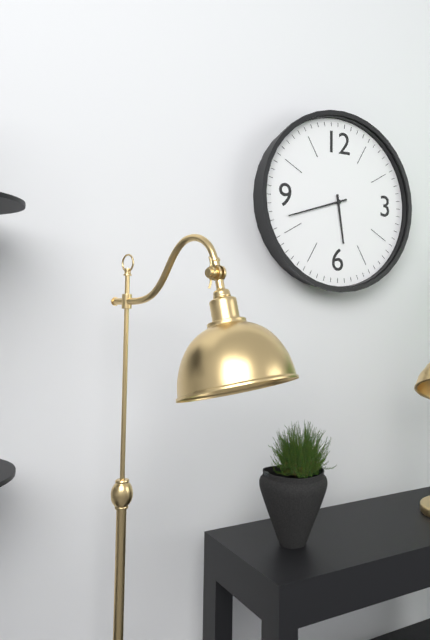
5:42
